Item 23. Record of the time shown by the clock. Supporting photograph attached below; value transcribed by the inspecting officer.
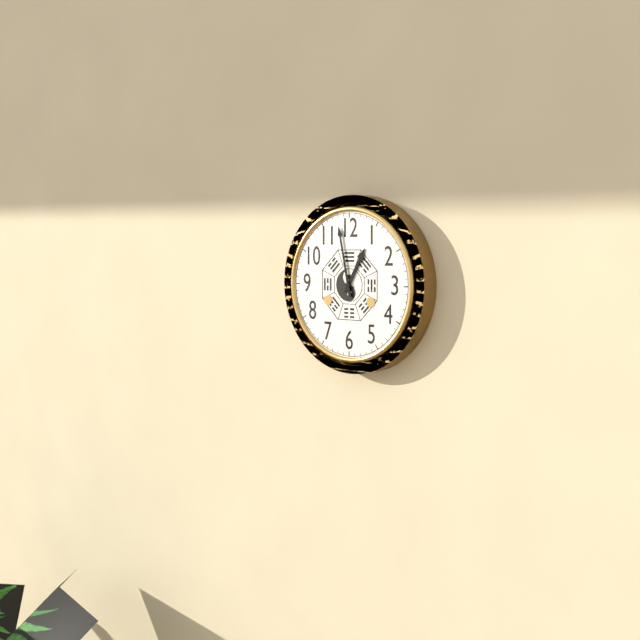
12:58
